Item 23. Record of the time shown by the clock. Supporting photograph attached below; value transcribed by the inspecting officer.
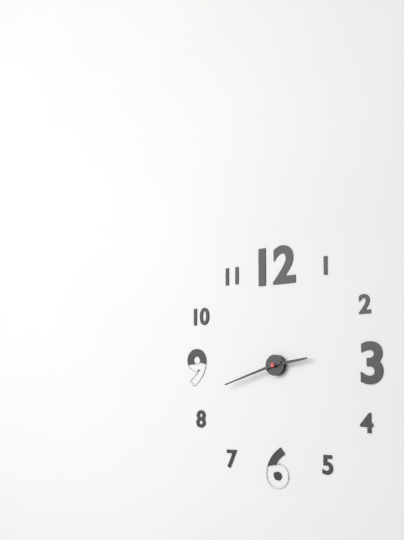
2:42
